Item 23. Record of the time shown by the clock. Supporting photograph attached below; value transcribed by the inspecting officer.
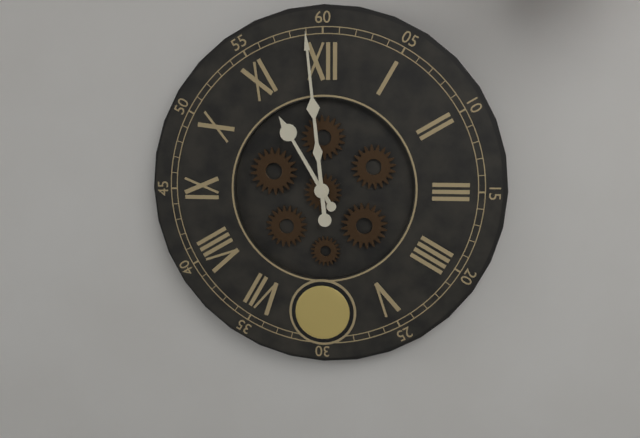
10:59
